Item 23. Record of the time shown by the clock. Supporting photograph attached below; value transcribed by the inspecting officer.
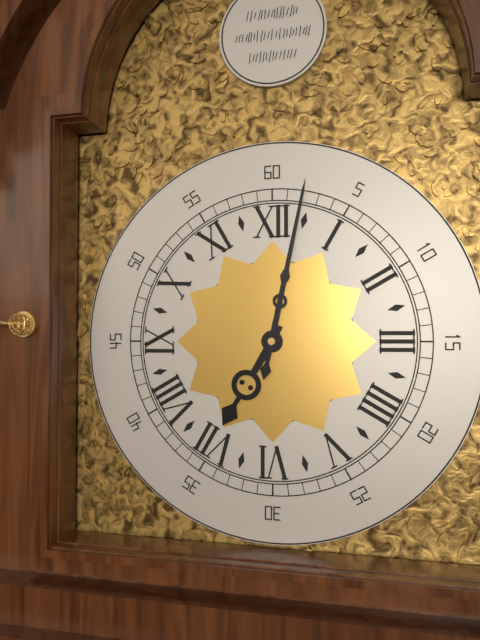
7:02
